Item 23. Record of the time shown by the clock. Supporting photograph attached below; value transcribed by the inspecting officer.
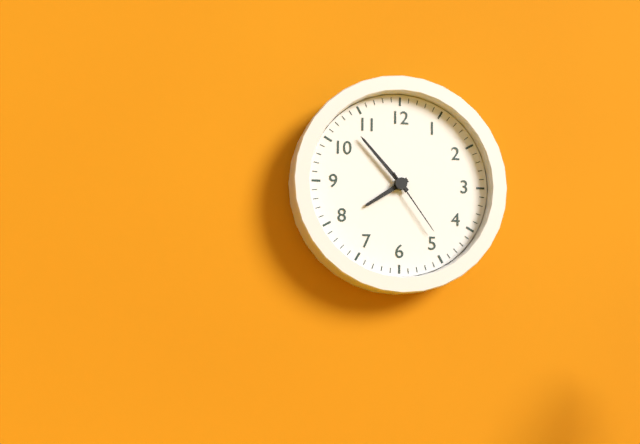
7:53:24
